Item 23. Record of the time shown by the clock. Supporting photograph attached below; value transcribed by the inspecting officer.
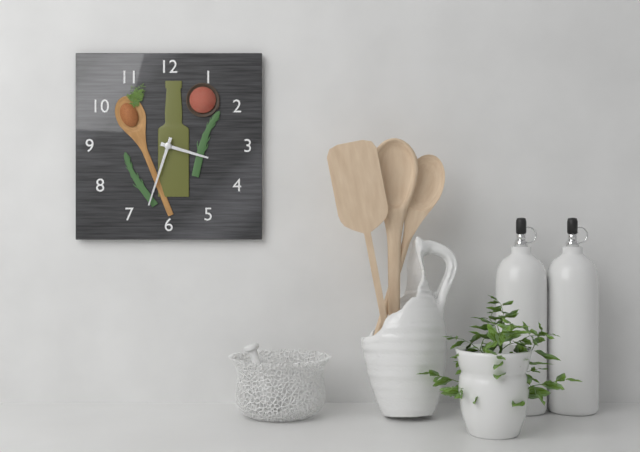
3:33
